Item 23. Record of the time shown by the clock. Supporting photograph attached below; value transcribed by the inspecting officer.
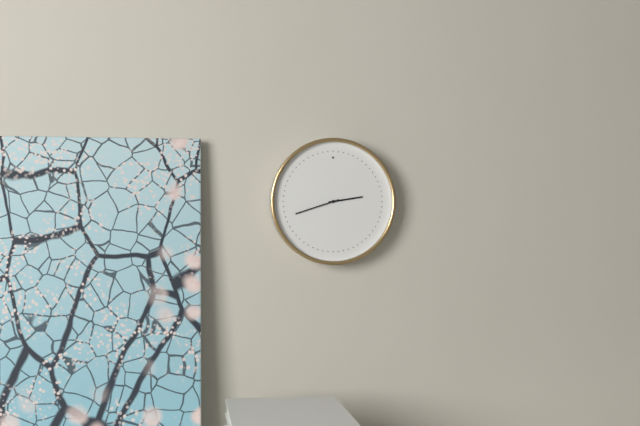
2:42
